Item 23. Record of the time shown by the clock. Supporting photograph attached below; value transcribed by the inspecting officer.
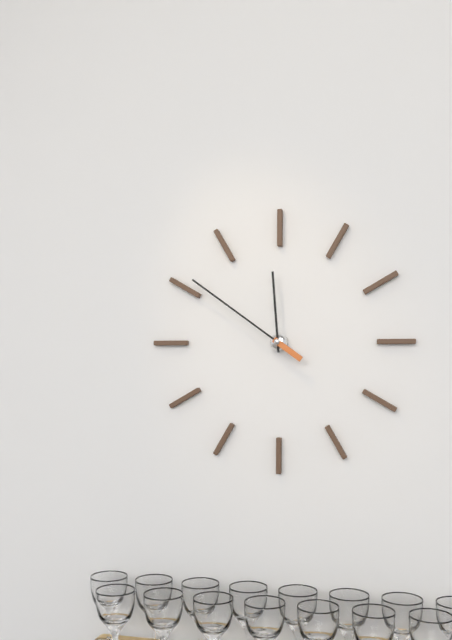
11:51
